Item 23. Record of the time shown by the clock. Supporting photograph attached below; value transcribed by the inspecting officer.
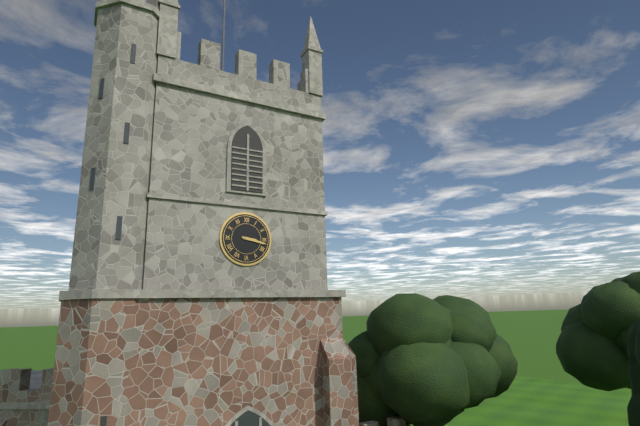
3:17
